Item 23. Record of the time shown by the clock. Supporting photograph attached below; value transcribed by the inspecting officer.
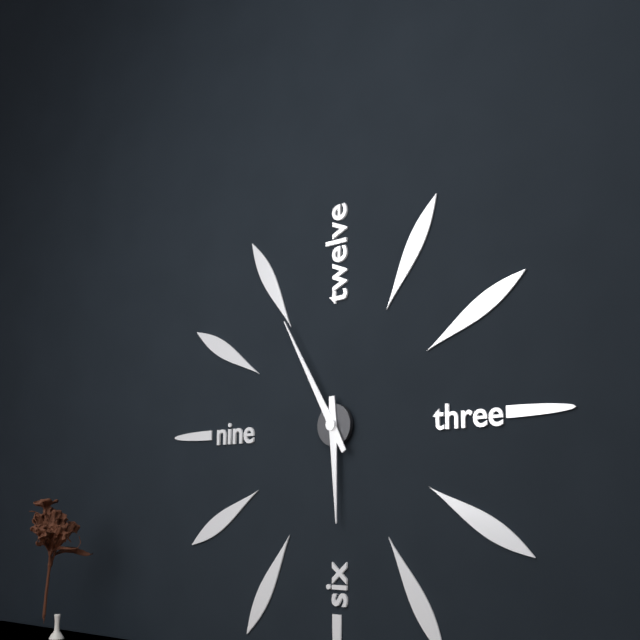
5:55
